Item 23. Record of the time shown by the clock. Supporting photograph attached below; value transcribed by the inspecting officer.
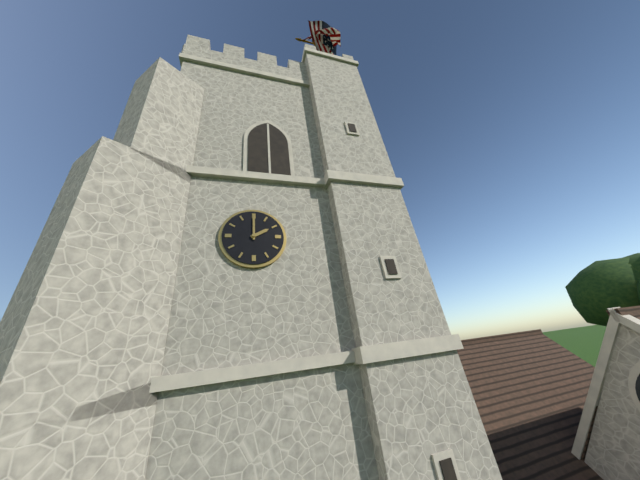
2:00
